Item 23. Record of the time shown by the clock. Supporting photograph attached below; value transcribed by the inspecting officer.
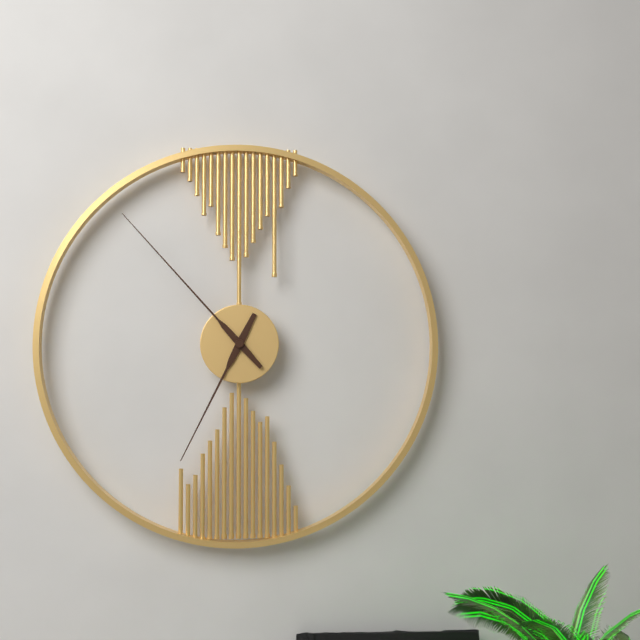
6:53
